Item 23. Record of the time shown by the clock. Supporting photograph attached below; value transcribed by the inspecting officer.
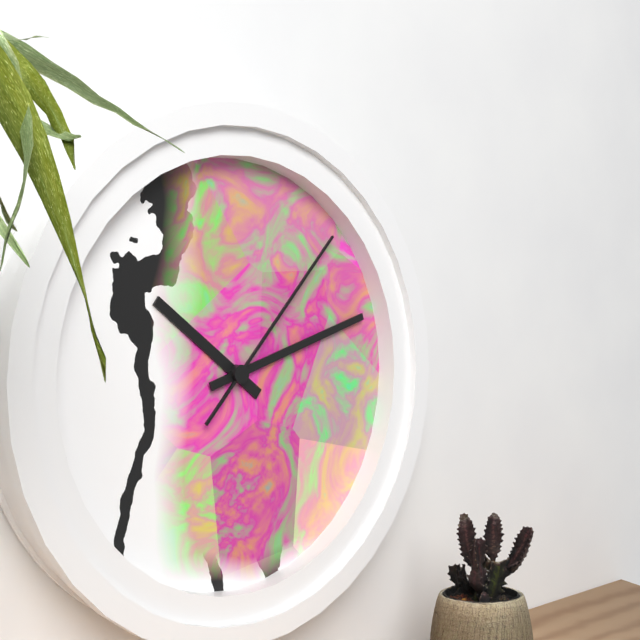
10:12:07
